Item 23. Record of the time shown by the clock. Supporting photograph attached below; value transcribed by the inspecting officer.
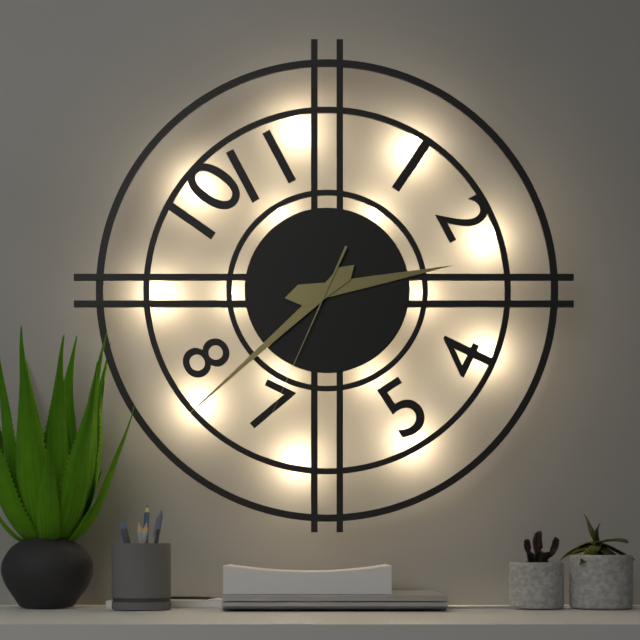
2:38:34
